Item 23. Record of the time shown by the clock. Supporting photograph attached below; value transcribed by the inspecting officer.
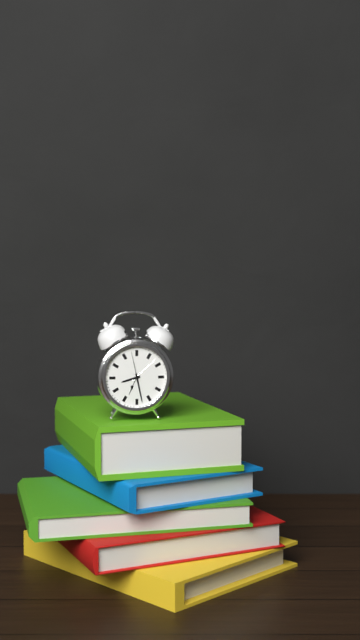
8:28
